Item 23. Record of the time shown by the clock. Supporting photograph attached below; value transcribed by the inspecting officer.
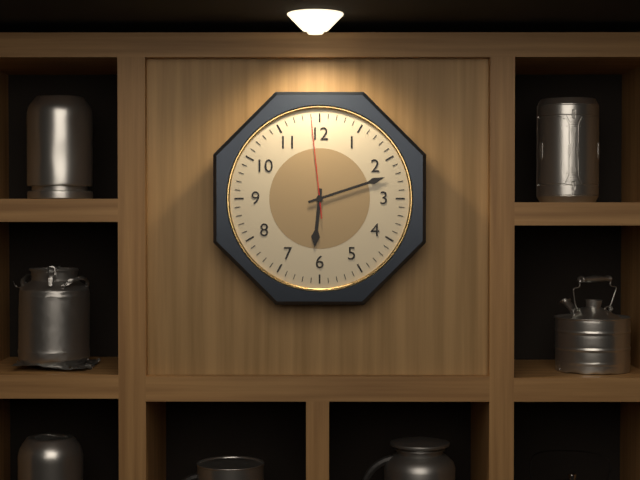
6:12:59
